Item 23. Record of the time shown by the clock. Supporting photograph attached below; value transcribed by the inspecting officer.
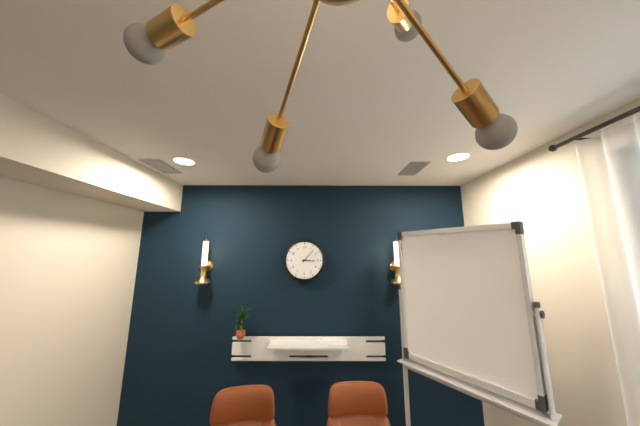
3:07
